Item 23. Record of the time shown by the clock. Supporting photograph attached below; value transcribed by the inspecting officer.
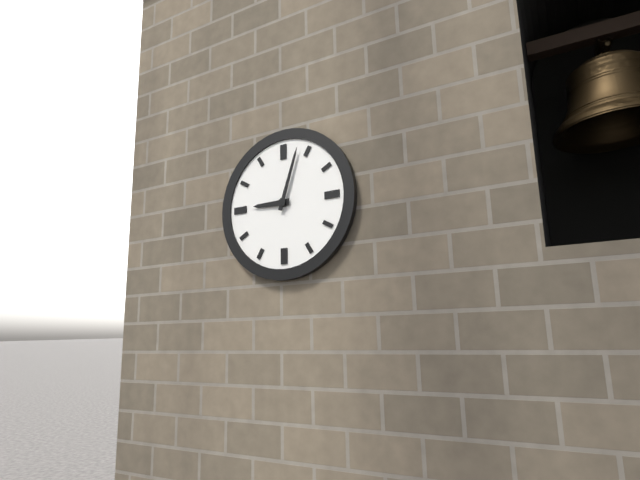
9:03
